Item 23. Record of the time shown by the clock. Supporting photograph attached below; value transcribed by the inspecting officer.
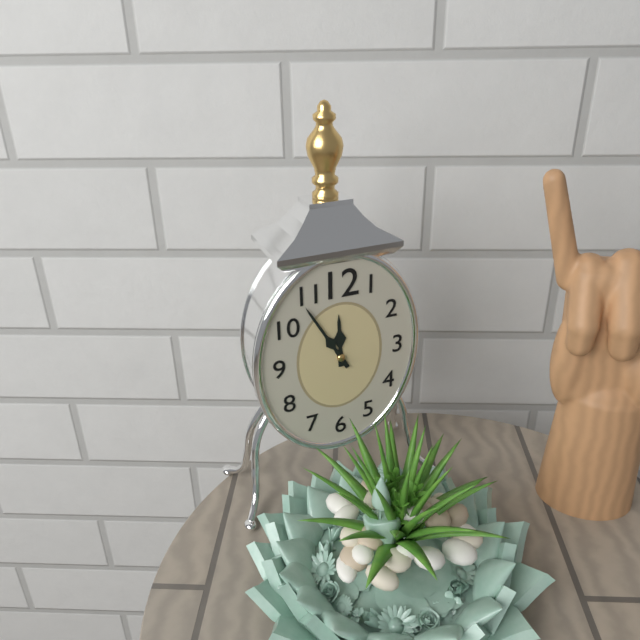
11:55
